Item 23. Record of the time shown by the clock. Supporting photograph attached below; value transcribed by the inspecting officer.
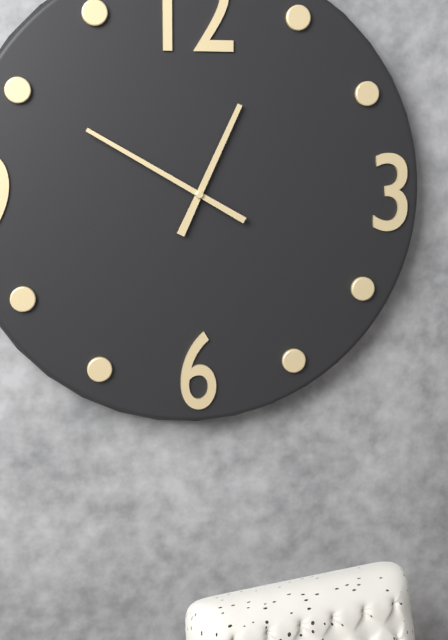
12:50
